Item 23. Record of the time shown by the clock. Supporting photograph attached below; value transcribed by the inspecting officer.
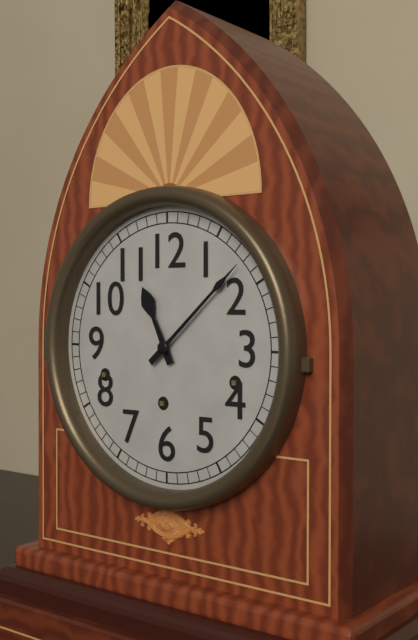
11:08
